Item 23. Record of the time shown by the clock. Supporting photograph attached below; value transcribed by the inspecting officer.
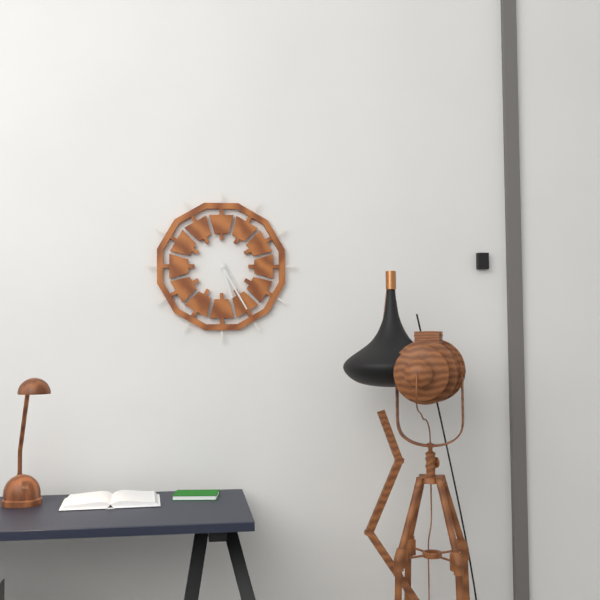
5:25
